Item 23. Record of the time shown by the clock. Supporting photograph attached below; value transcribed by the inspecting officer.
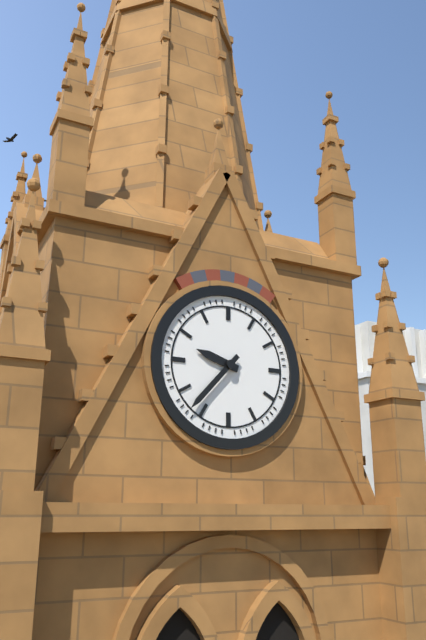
9:37
